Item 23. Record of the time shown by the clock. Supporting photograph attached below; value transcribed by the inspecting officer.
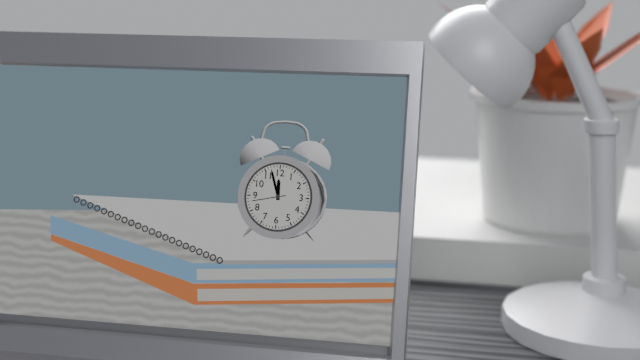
11:57
